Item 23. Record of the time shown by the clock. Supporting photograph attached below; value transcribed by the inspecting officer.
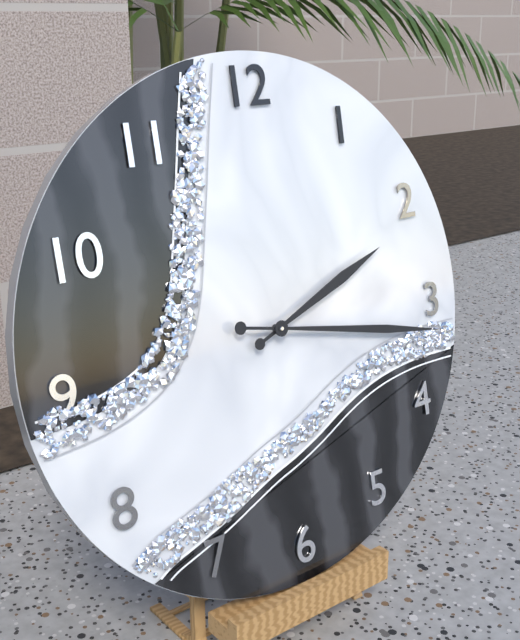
2:17
